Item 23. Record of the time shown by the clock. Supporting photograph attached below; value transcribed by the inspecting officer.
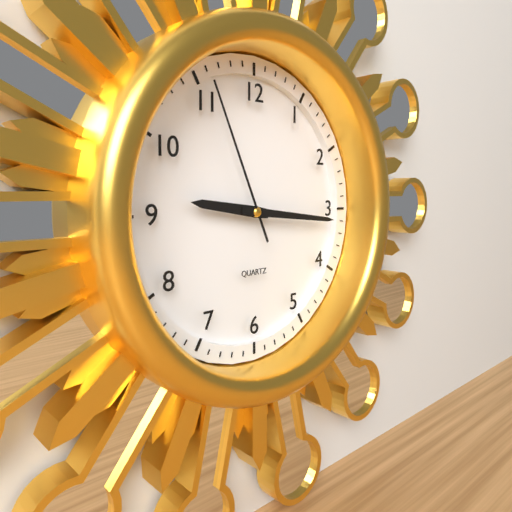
9:16:56
